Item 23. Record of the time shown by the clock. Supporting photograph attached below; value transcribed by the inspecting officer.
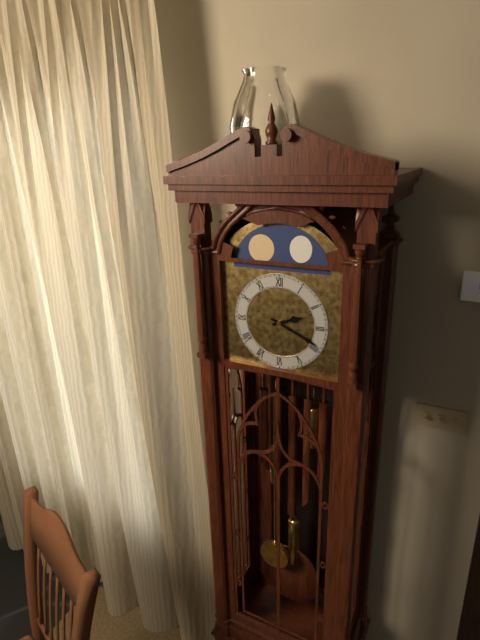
2:19
